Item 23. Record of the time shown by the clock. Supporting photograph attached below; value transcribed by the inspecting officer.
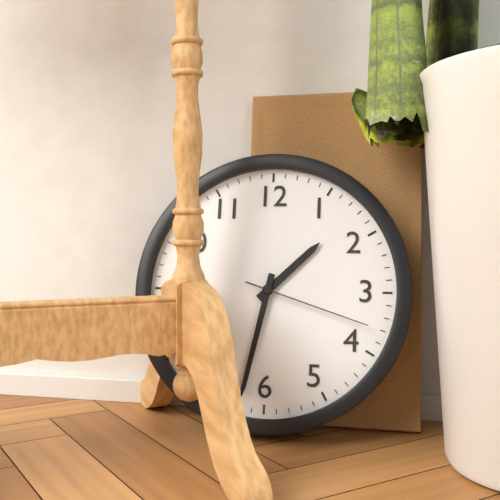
1:32:18
